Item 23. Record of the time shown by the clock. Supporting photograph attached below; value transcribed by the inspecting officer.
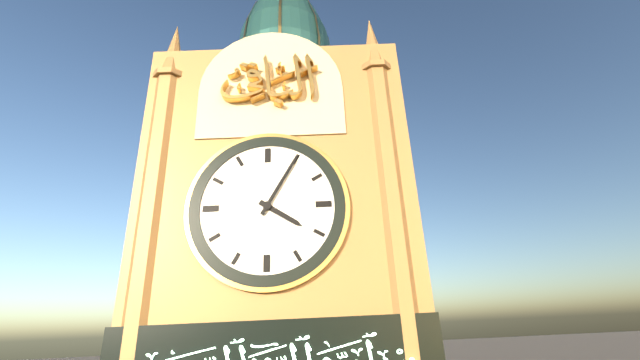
4:05
